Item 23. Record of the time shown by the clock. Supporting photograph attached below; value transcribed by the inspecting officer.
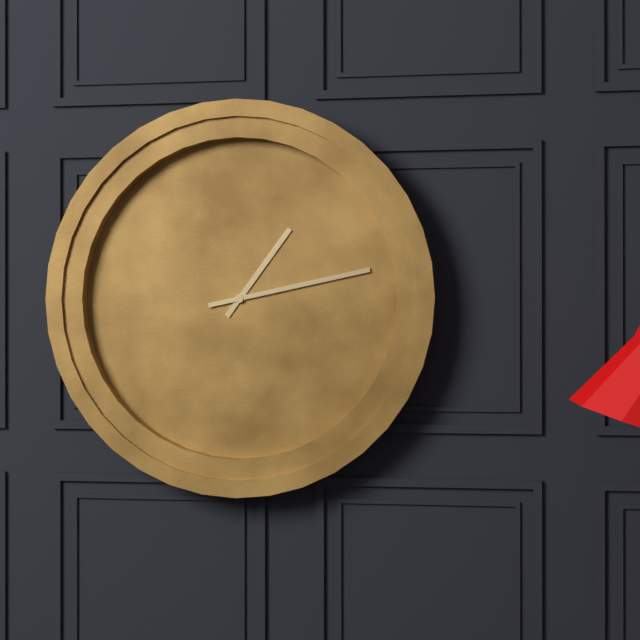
1:13
